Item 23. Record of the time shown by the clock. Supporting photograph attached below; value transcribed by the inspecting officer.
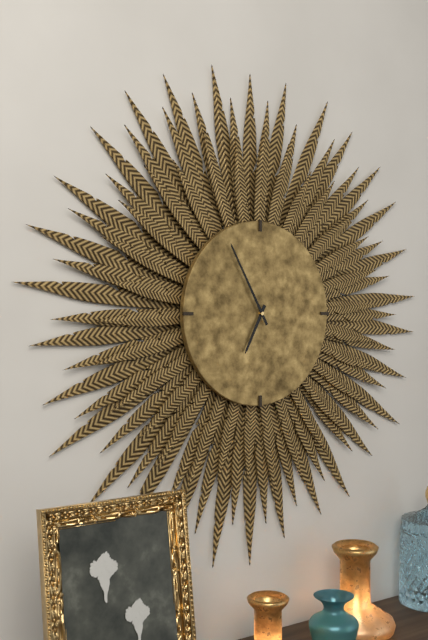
6:55
